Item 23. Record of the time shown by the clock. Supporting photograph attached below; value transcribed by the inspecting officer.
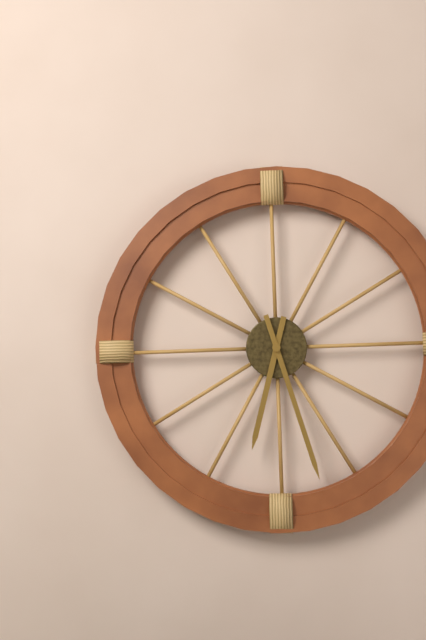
6:27
